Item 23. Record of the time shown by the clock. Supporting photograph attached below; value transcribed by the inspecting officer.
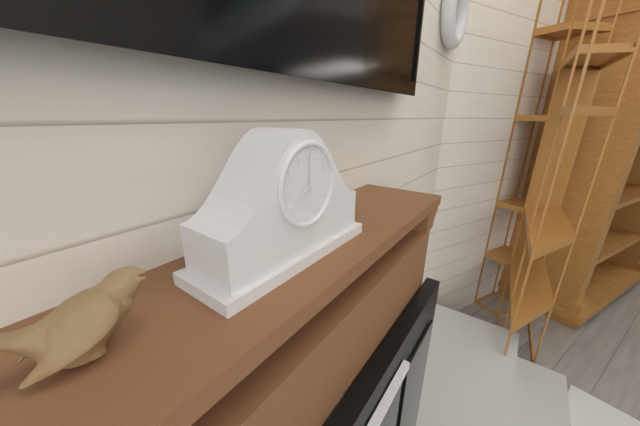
8:00
